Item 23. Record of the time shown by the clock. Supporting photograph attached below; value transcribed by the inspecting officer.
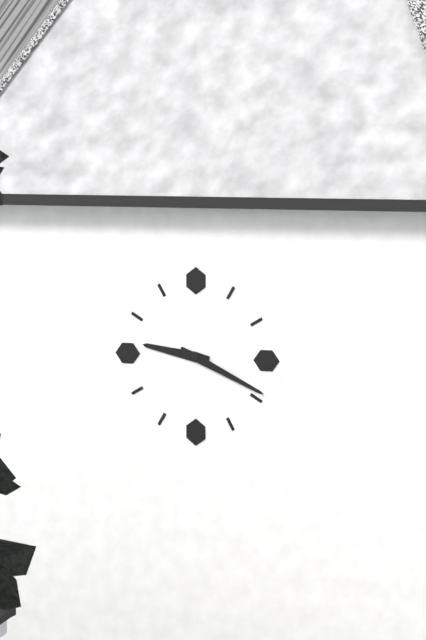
9:19
